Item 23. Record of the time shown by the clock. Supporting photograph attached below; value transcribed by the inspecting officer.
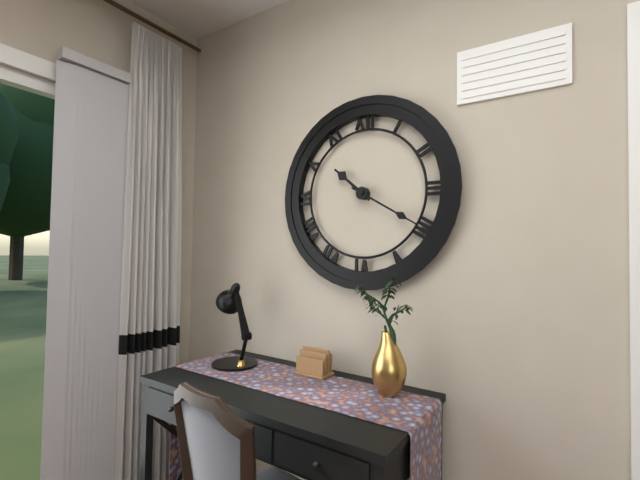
10:20
